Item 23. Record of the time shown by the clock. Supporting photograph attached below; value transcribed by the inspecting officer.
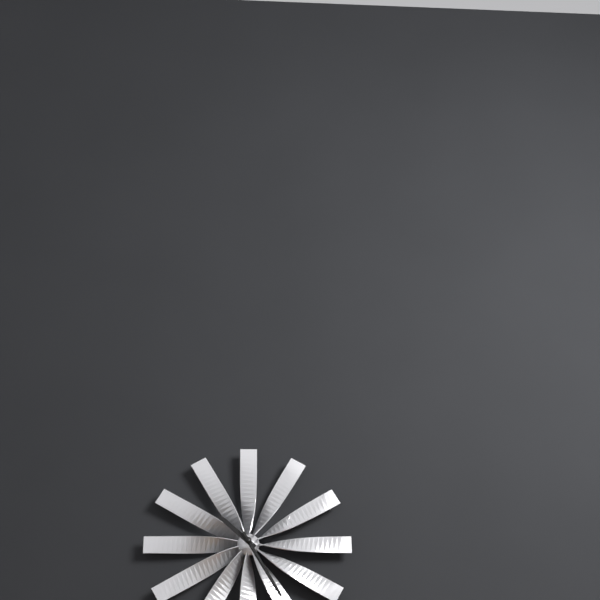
10:25:25
